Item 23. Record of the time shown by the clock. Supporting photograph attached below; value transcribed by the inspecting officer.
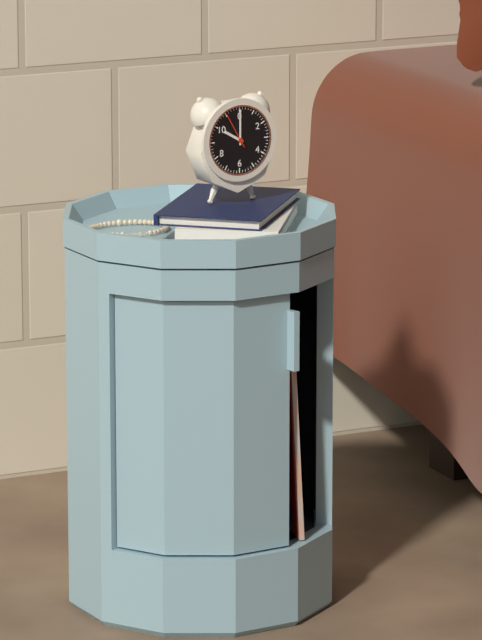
10:00
